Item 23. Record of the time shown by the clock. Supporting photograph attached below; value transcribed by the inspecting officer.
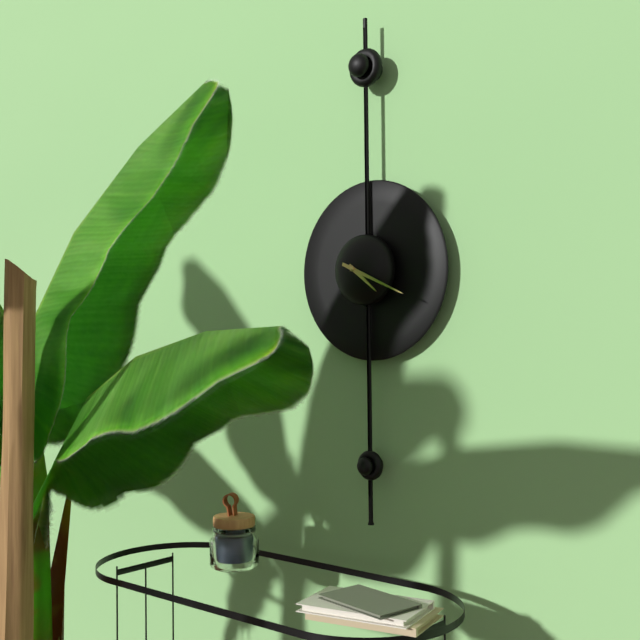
4:19
